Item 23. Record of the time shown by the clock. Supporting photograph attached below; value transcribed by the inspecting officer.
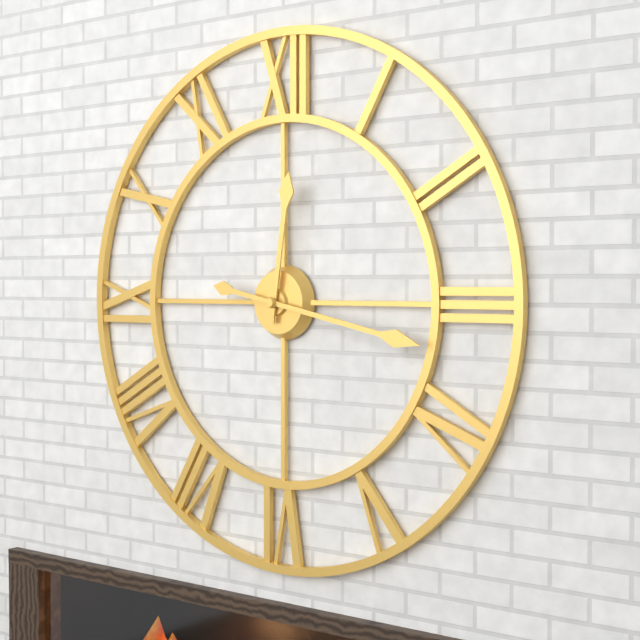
12:17
